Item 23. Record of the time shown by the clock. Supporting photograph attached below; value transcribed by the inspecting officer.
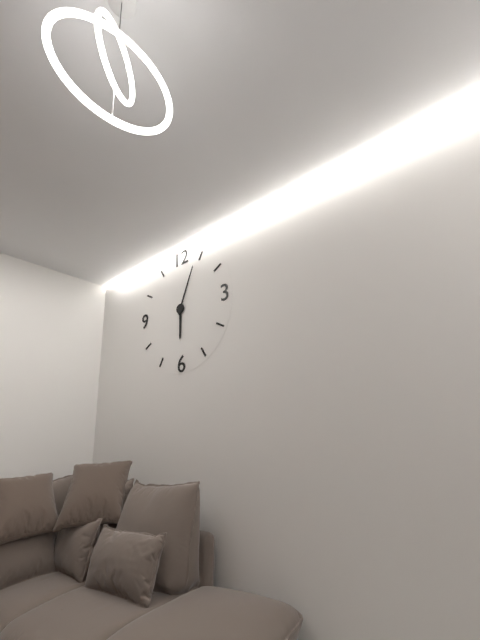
6:04
